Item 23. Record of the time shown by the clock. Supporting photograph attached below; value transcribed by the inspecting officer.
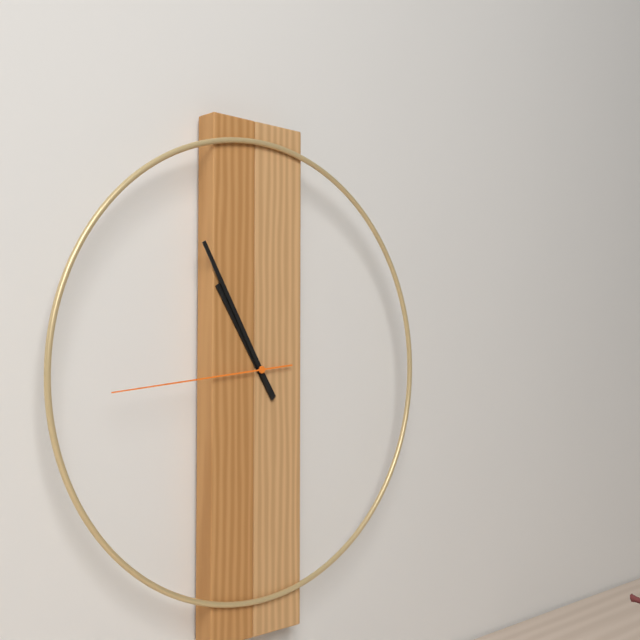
10:55:44
